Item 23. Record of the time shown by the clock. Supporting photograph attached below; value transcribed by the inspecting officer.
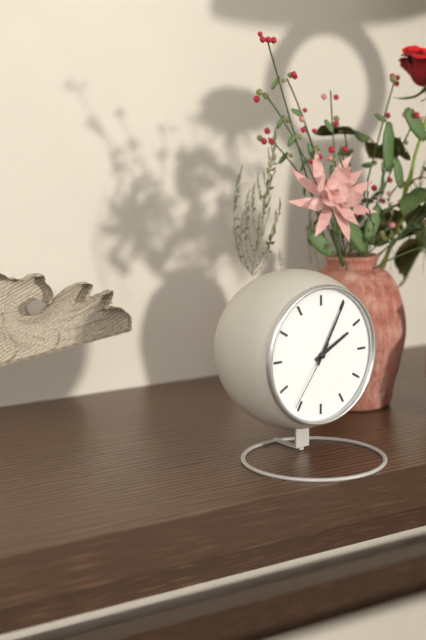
2:05:36
